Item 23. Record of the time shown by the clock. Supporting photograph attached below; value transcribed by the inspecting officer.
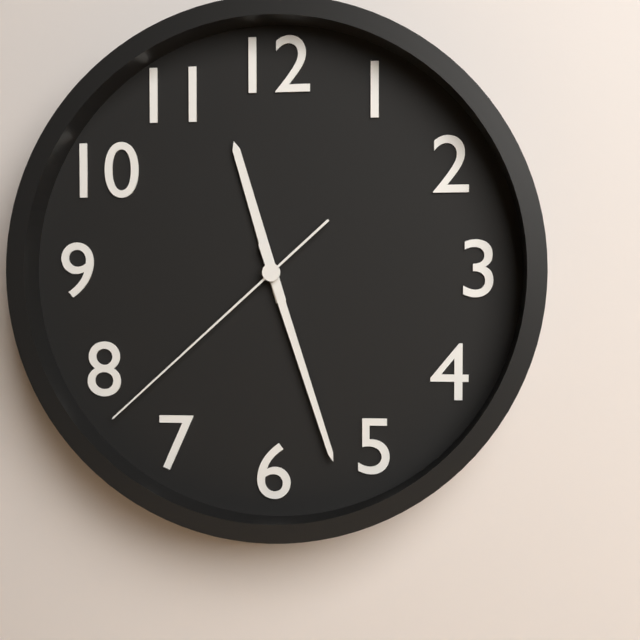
11:27:38
